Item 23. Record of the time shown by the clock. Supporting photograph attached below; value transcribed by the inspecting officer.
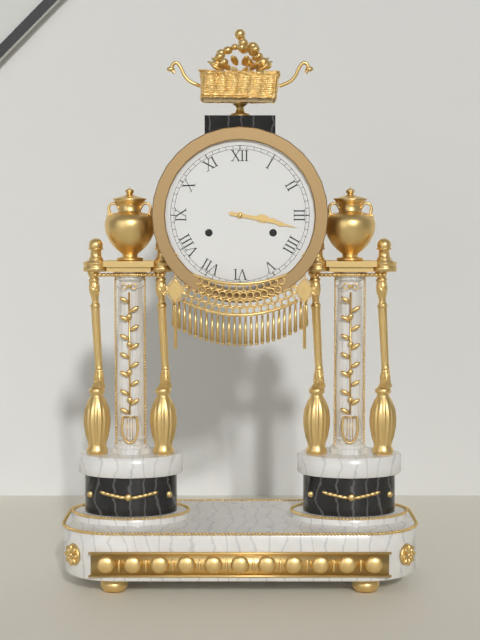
3:17
